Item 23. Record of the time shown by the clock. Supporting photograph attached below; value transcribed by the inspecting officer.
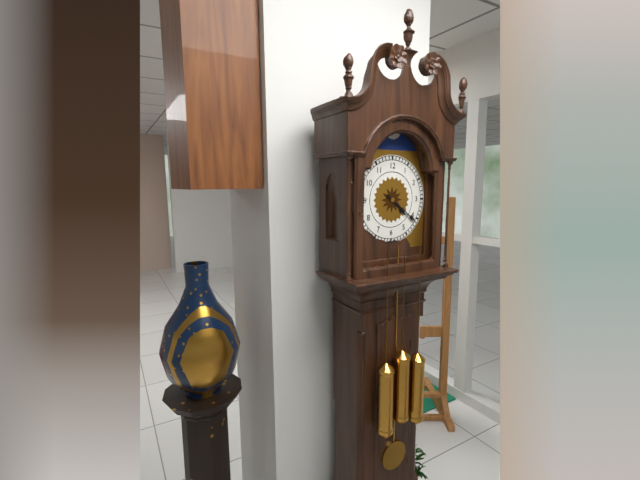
4:21
